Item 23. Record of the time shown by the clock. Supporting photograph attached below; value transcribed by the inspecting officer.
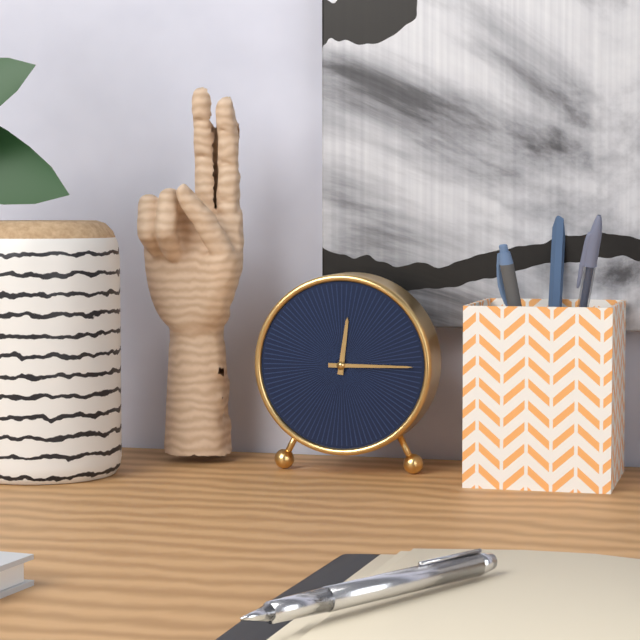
12:15
